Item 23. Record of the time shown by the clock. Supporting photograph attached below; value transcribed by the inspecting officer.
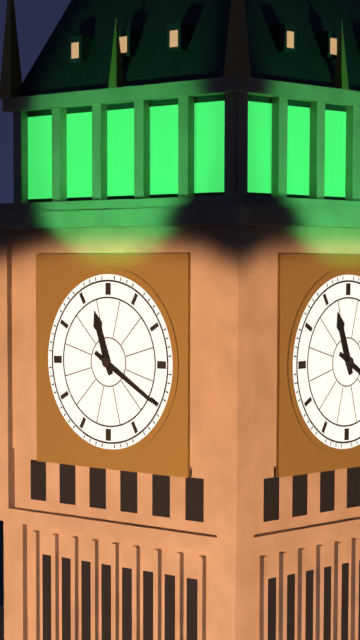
11:20
